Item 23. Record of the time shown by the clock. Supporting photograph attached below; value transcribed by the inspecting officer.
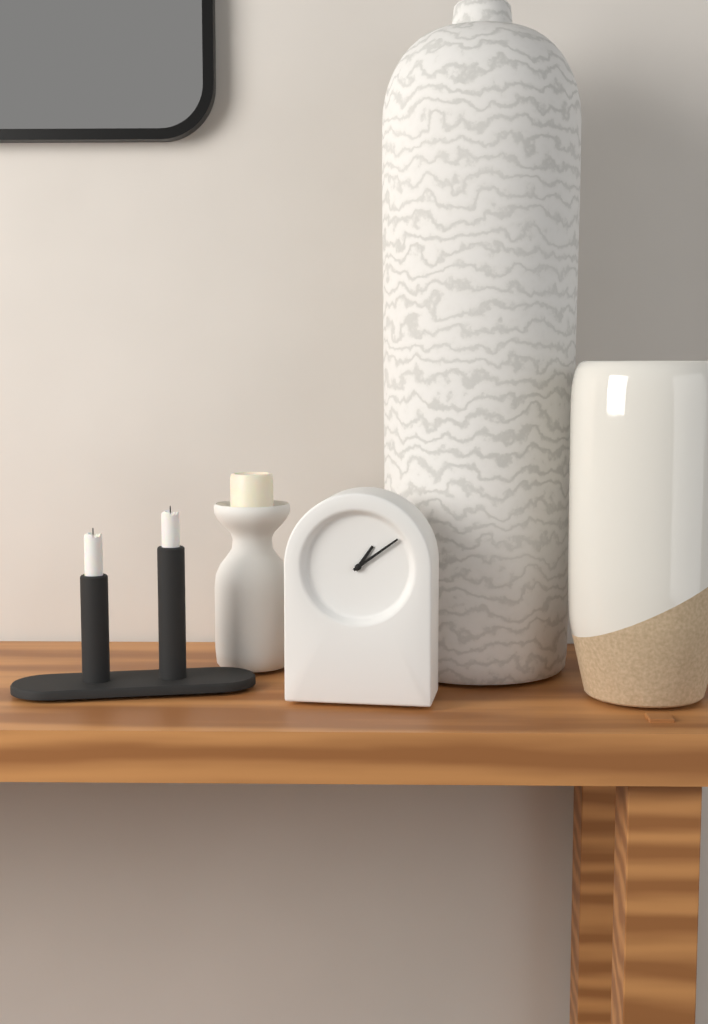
1:09
